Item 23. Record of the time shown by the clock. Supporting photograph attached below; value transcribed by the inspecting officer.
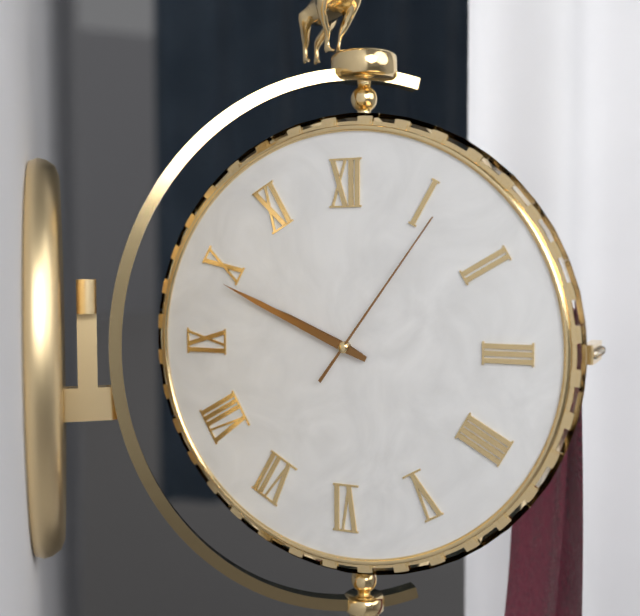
9:49:06
